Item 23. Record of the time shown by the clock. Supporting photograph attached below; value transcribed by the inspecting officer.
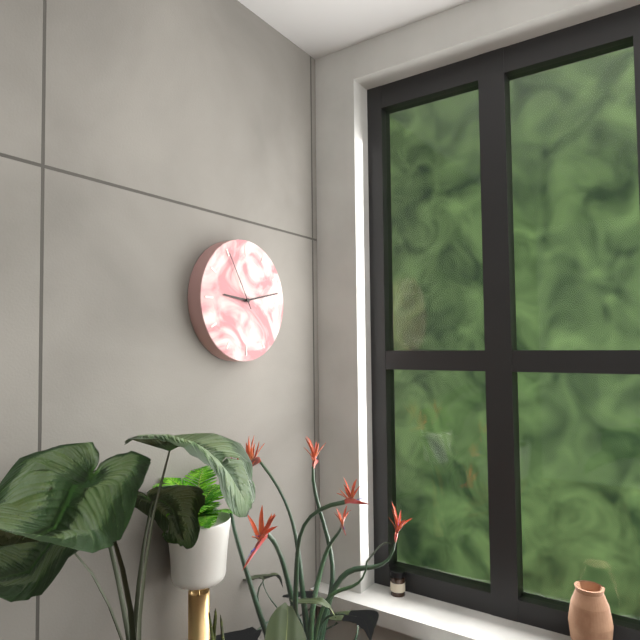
9:13:55
